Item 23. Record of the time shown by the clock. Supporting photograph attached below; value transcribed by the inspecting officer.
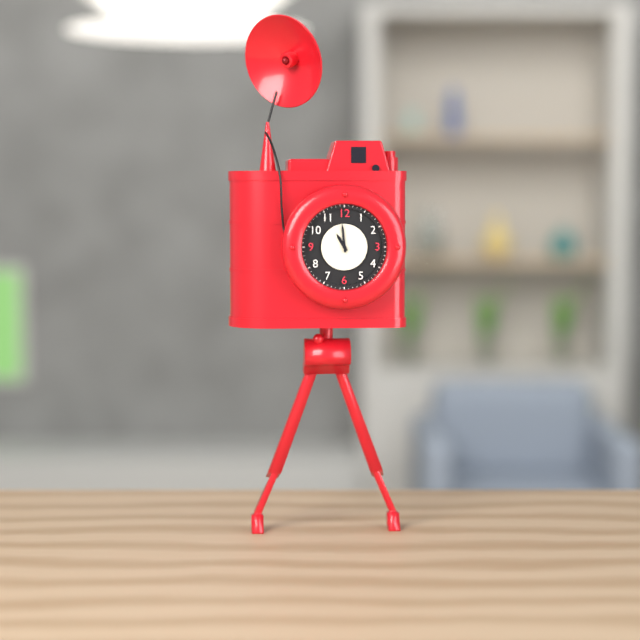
10:59
